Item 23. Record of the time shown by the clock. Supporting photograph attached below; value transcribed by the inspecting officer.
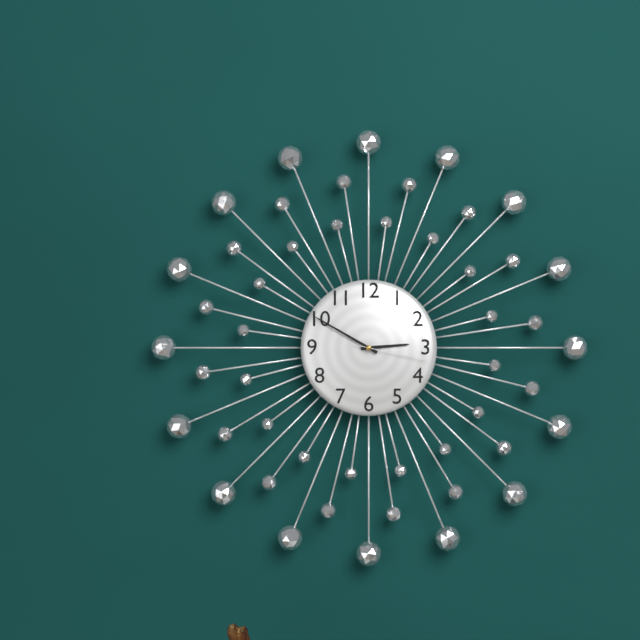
2:50:17
